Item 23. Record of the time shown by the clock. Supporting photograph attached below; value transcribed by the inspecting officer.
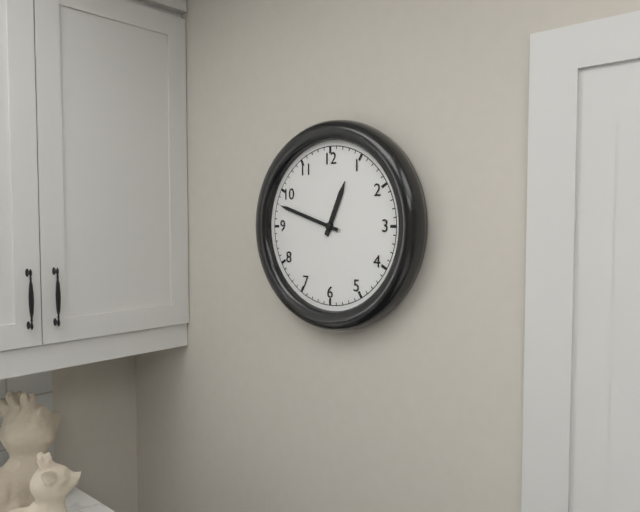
12:48
